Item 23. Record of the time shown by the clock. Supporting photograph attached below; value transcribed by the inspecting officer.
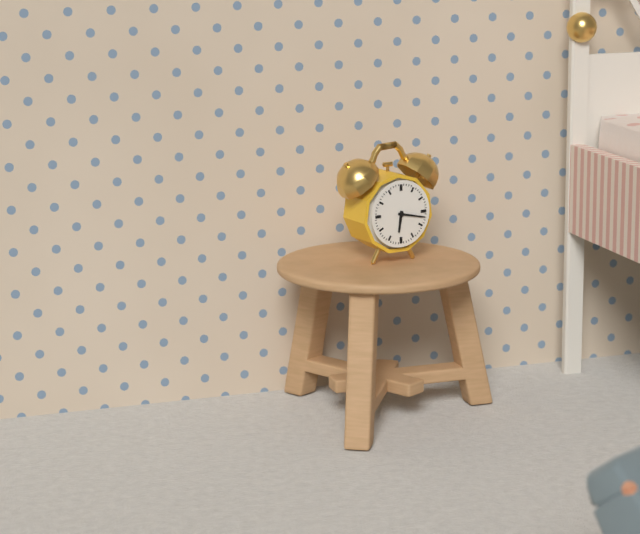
6:17
